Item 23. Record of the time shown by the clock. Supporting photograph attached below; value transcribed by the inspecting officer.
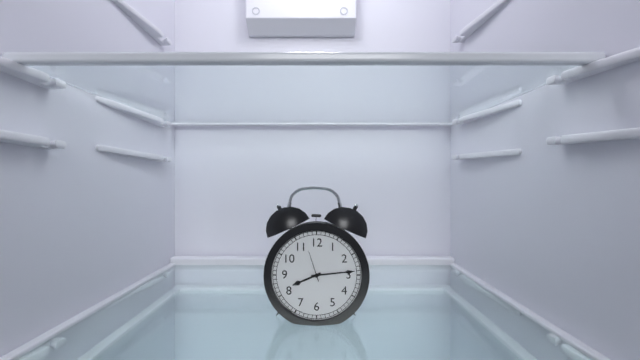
8:14
